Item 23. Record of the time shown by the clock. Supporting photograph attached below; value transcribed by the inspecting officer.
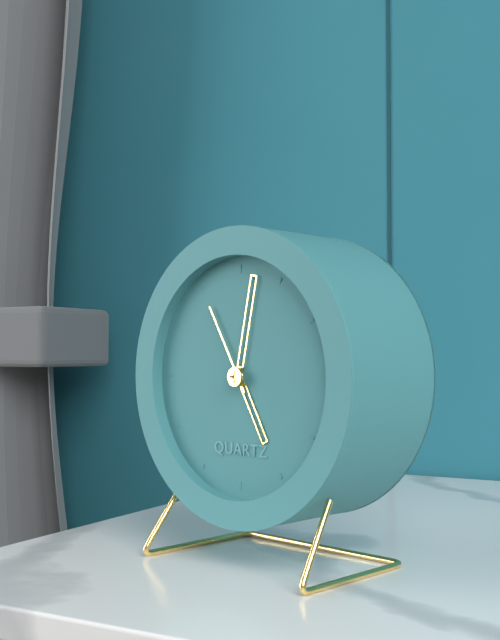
5:02:55
